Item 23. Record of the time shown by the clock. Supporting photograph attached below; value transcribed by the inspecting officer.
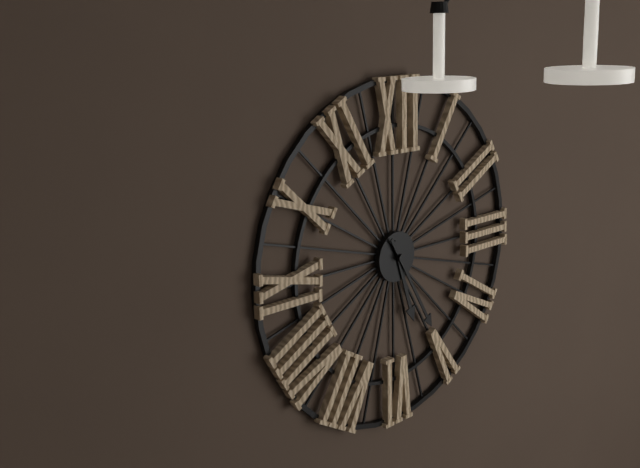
5:25
